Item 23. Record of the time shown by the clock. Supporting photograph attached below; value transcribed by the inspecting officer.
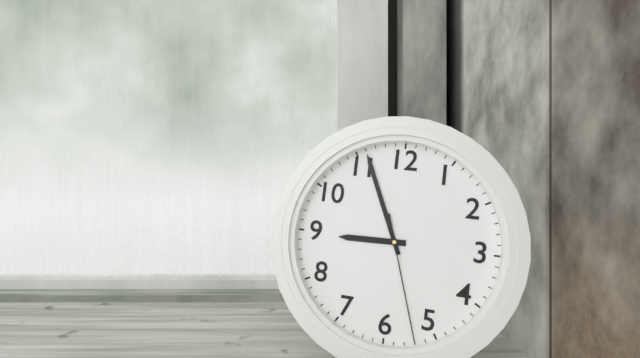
8:56:27
